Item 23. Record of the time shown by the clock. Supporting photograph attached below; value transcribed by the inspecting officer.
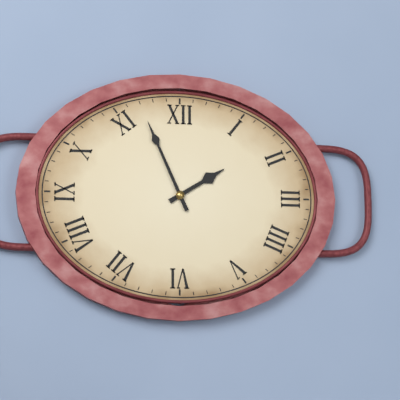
1:56
